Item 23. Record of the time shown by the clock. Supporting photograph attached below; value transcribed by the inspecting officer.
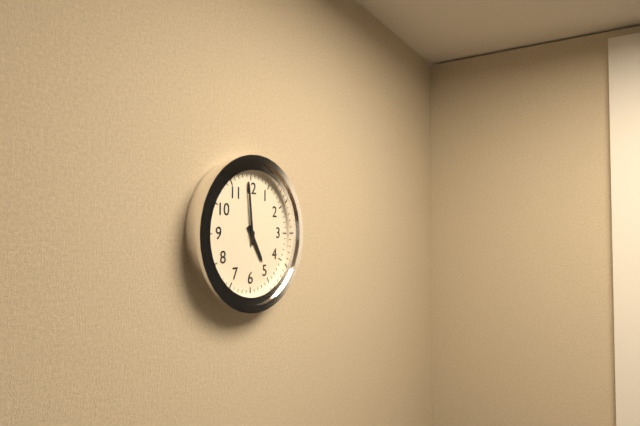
4:59
